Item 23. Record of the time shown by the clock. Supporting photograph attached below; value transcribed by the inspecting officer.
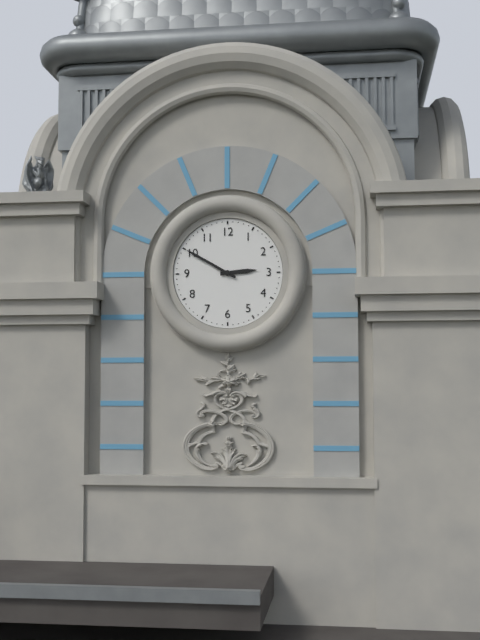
2:50
